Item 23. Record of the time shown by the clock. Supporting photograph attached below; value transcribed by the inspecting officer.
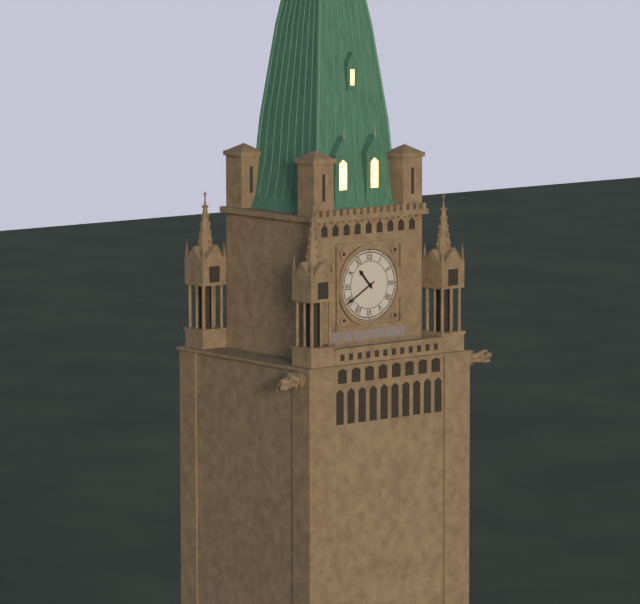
10:40
